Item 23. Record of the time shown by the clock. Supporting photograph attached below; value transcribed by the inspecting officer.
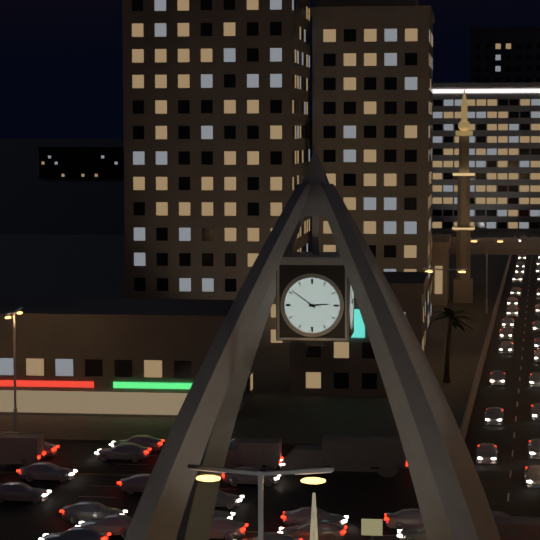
2:51
